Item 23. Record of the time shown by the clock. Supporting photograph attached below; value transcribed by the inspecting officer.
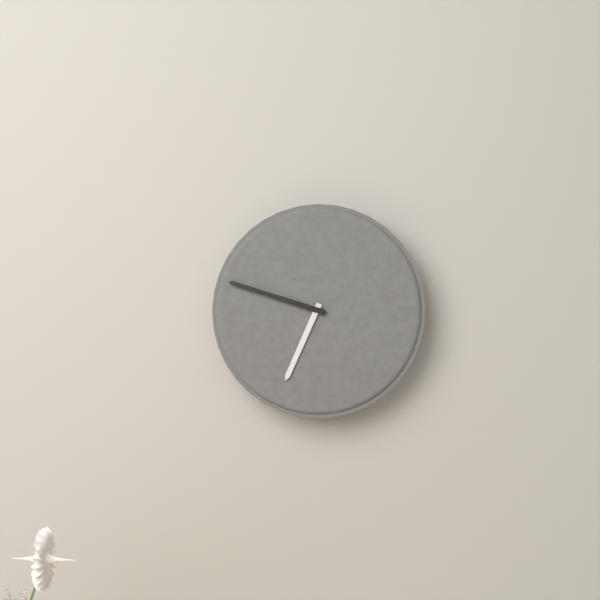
6:48
